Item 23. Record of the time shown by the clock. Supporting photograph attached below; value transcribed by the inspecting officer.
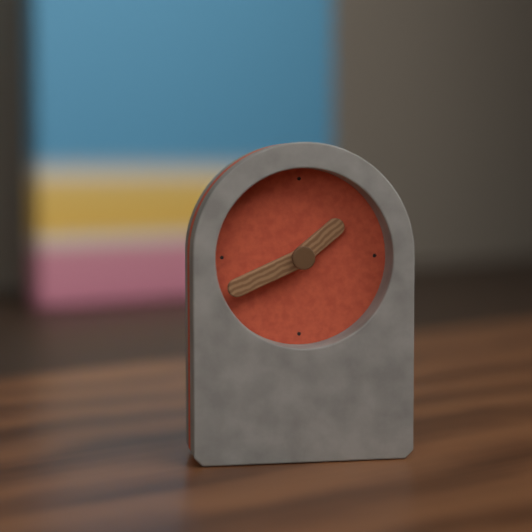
1:41
